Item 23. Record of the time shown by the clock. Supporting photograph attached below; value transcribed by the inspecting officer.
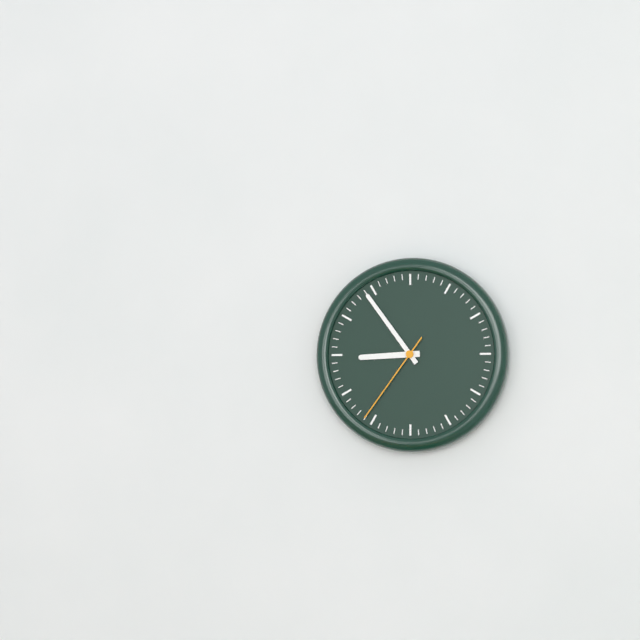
8:54:36
